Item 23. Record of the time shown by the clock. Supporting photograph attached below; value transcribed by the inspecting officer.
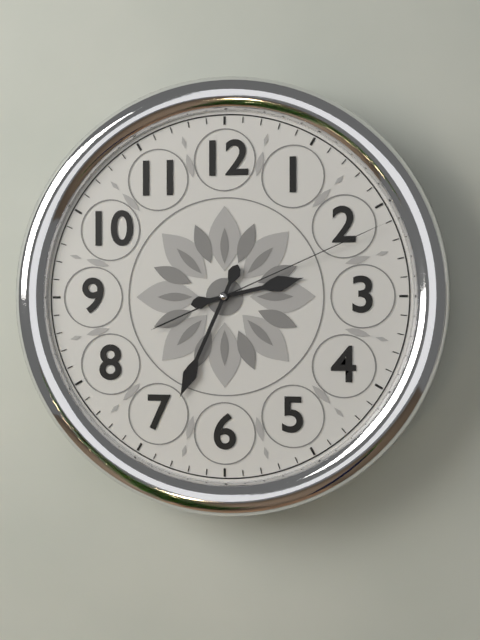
2:34:11
